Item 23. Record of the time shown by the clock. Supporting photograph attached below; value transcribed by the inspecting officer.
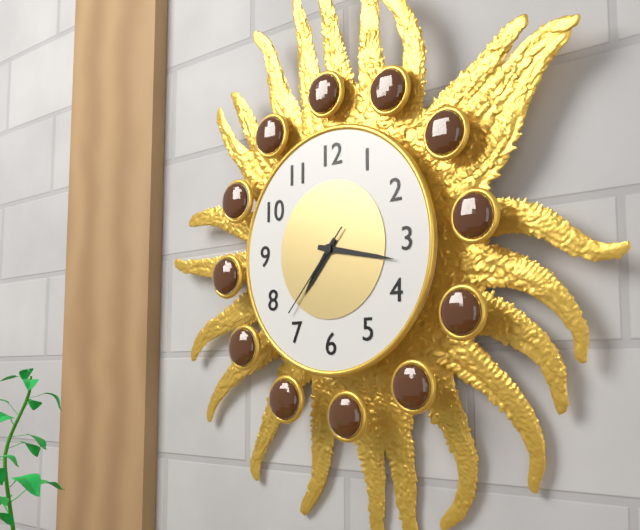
7:17:37
